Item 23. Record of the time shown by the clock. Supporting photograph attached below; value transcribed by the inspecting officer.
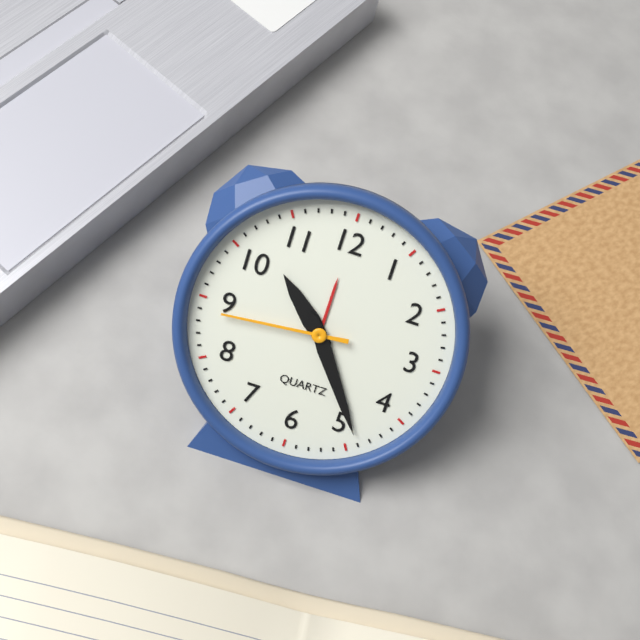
10:24:44
